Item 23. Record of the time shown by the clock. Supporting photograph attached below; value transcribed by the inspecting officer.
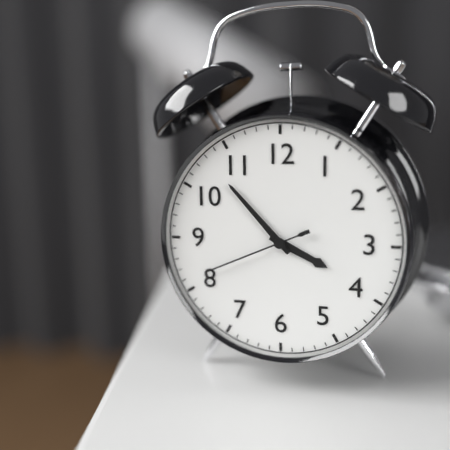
3:53:41
